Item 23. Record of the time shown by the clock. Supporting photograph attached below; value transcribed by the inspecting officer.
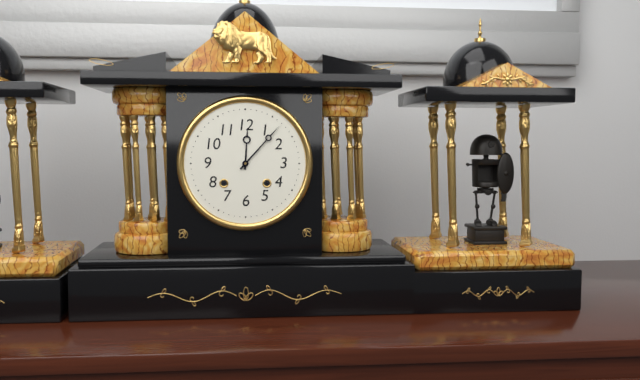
12:07
